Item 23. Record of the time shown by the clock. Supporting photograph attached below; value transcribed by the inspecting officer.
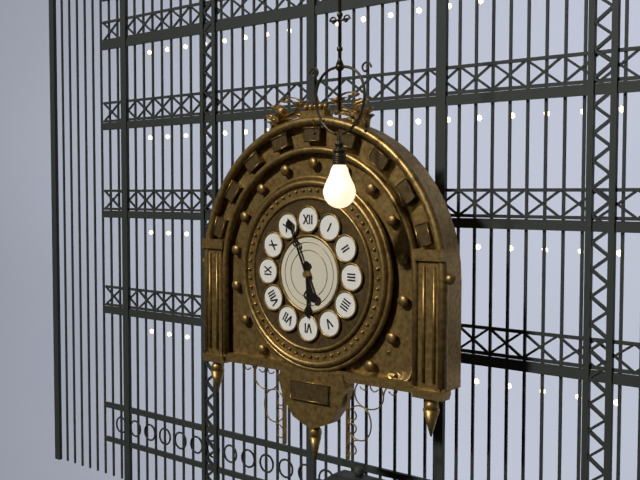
5:56
